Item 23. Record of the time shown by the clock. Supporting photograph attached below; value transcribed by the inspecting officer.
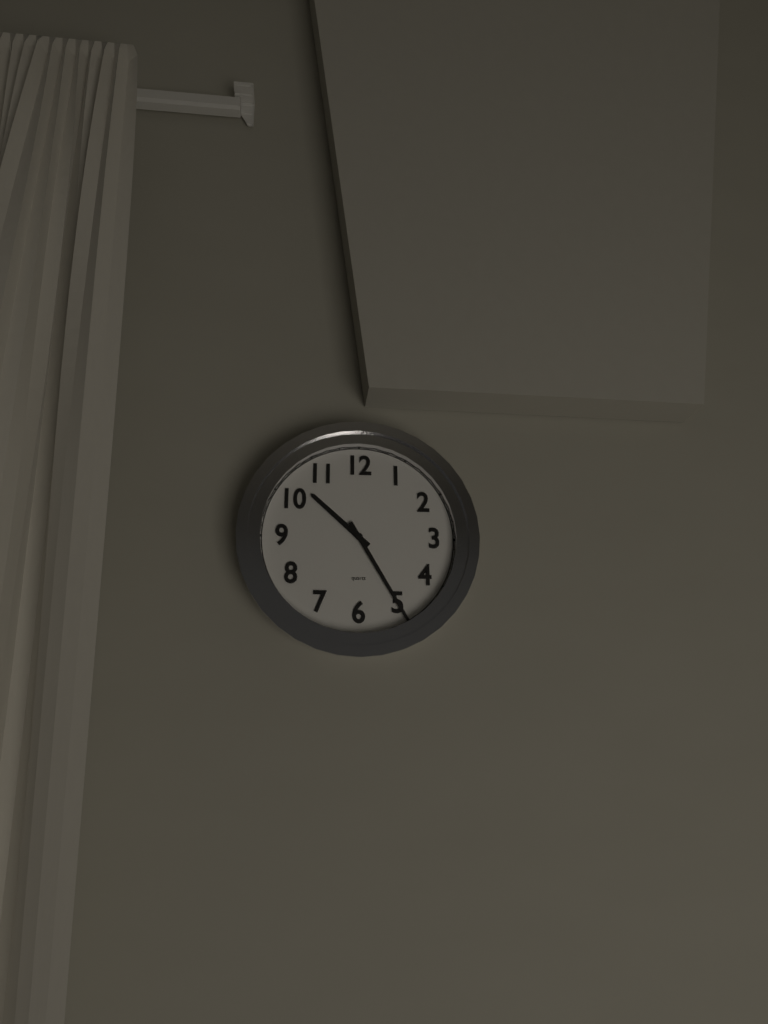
10:25
